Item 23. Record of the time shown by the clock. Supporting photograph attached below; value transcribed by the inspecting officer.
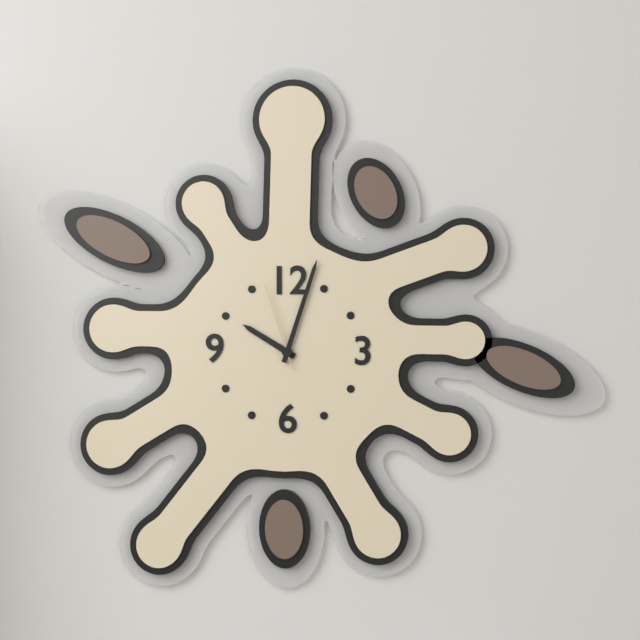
10:03:57
